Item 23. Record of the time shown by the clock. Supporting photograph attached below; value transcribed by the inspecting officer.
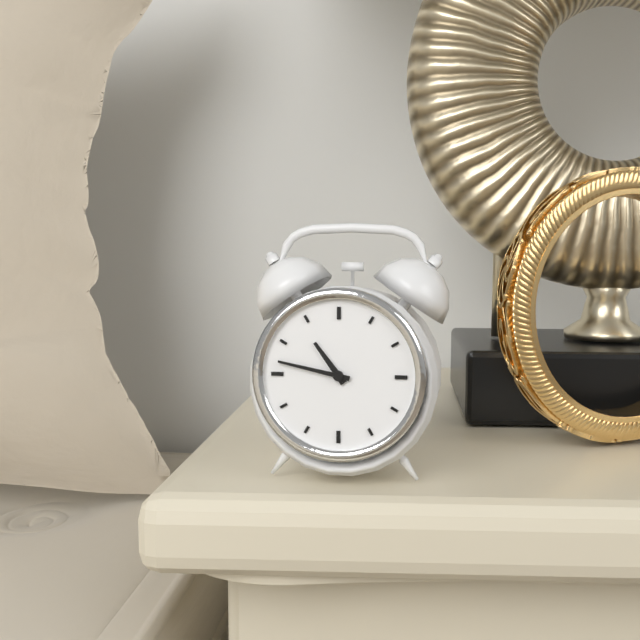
10:47
